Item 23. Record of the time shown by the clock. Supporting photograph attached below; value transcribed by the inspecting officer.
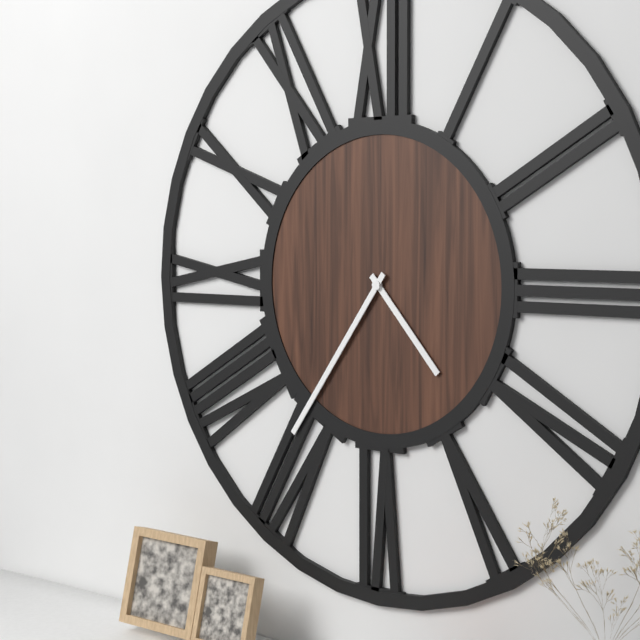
4:36
